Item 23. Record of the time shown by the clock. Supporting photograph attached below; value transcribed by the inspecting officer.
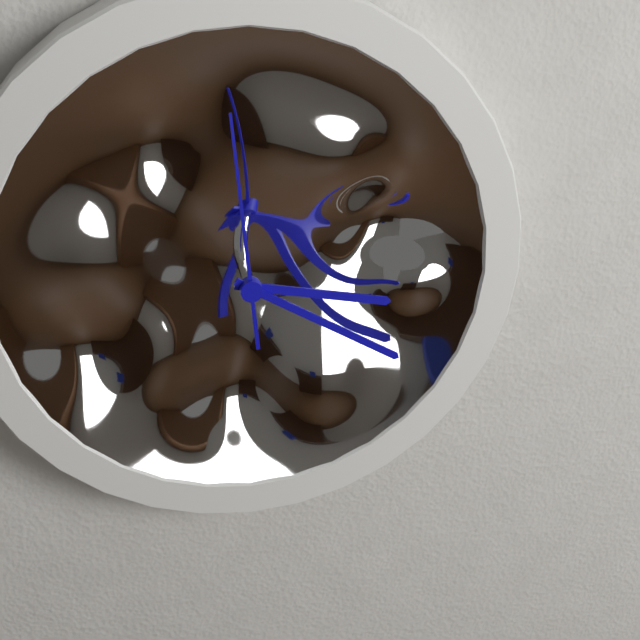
3:20:59
